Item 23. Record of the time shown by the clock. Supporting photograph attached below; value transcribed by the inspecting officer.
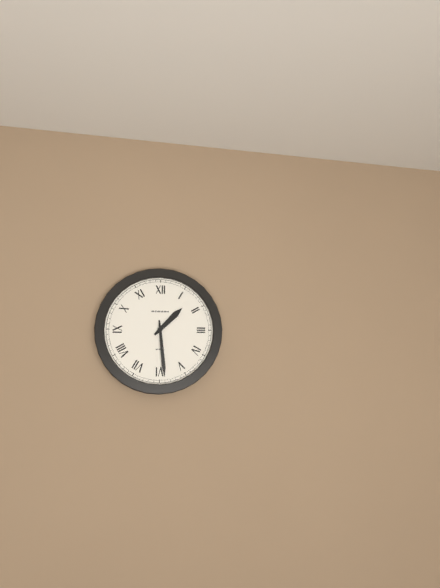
1:29
